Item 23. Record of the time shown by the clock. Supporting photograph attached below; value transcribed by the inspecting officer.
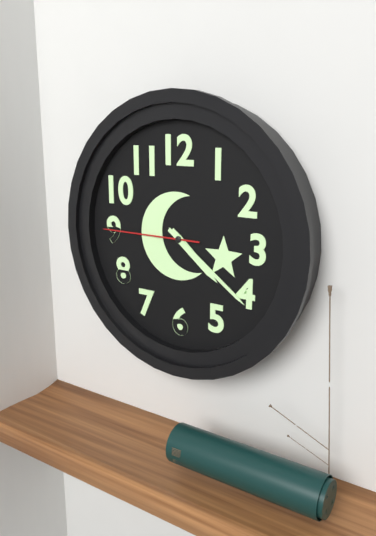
4:21:45
